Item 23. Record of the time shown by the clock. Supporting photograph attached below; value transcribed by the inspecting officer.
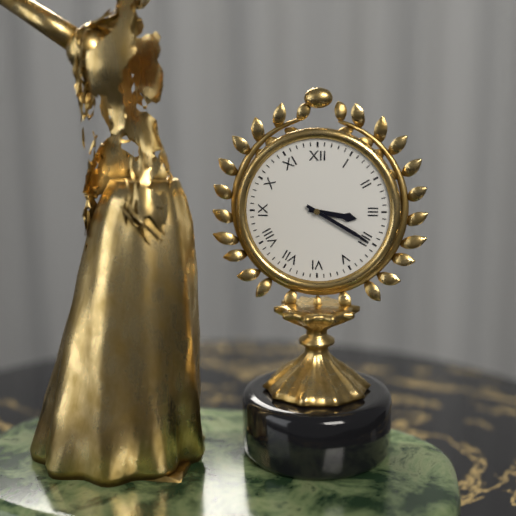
3:20
